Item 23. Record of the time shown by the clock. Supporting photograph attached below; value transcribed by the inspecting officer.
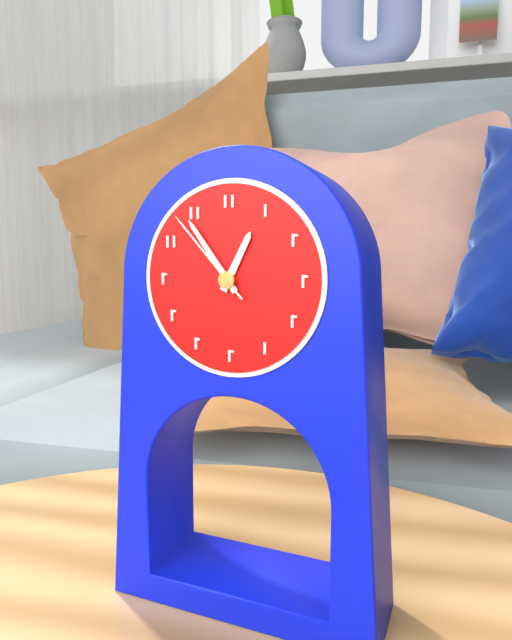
12:54:53
